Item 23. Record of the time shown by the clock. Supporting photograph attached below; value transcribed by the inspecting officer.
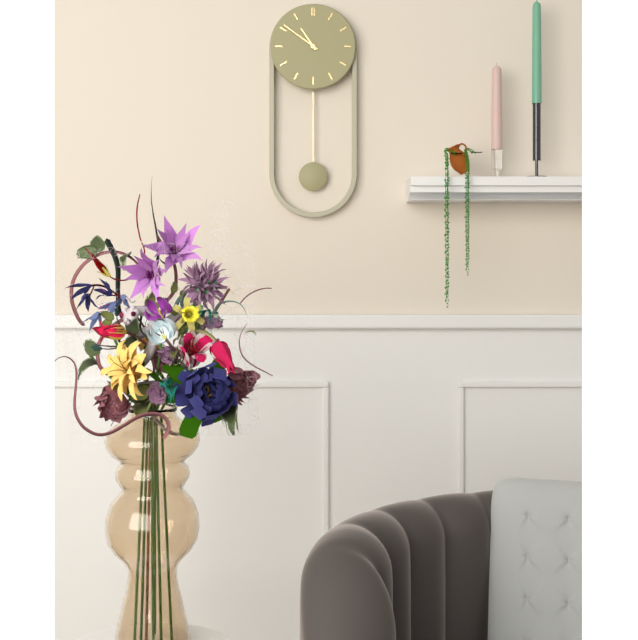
10:51
